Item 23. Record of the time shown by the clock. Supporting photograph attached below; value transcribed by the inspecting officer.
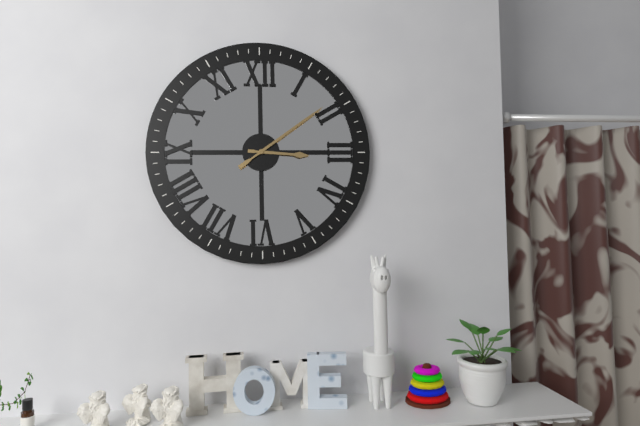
3:09
